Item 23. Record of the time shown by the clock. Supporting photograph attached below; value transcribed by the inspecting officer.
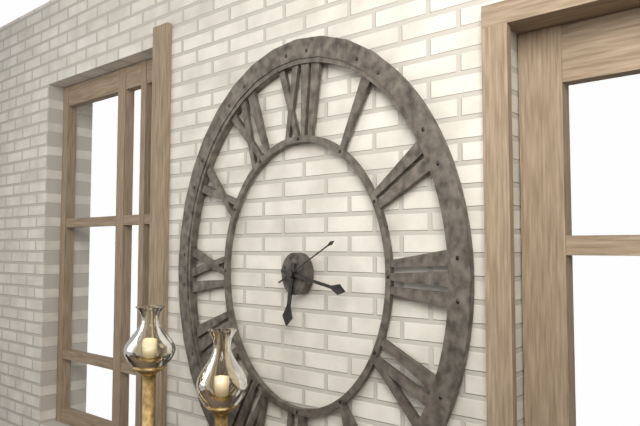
6:17:10
